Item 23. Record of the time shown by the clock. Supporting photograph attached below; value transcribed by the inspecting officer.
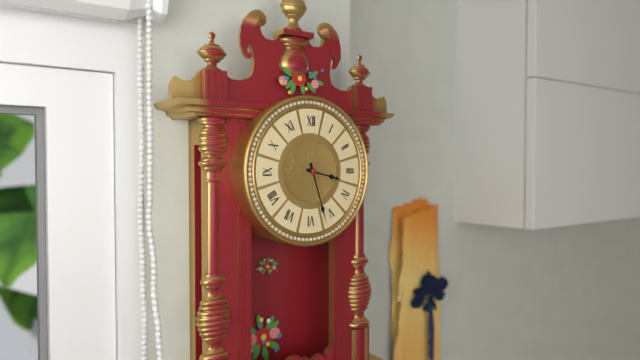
3:27
